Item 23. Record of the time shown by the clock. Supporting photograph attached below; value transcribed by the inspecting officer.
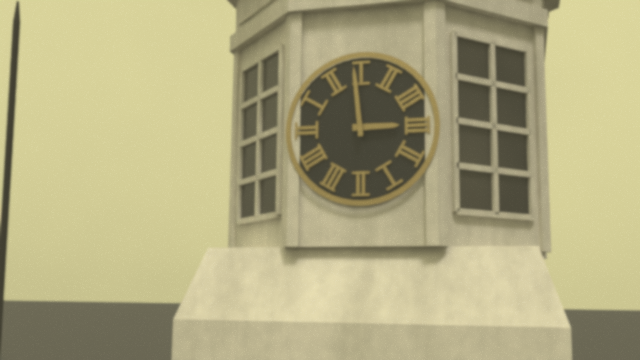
2:59
